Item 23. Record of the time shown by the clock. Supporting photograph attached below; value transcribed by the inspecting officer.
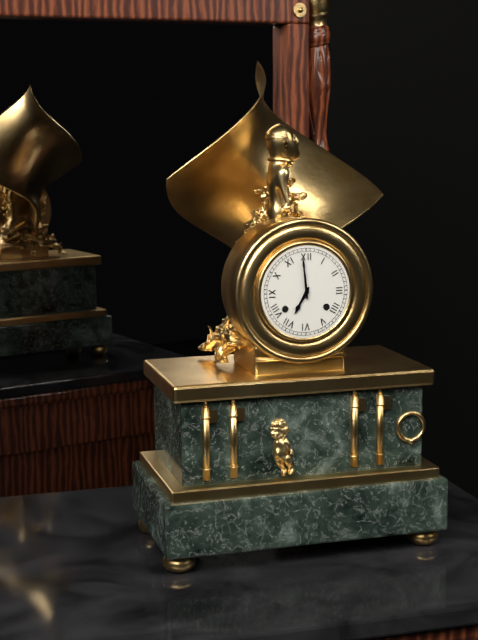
6:59
